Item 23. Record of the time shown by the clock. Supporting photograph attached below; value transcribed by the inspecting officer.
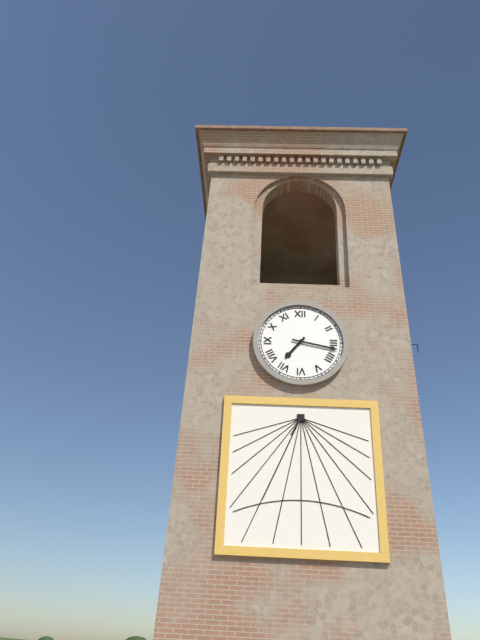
7:17
